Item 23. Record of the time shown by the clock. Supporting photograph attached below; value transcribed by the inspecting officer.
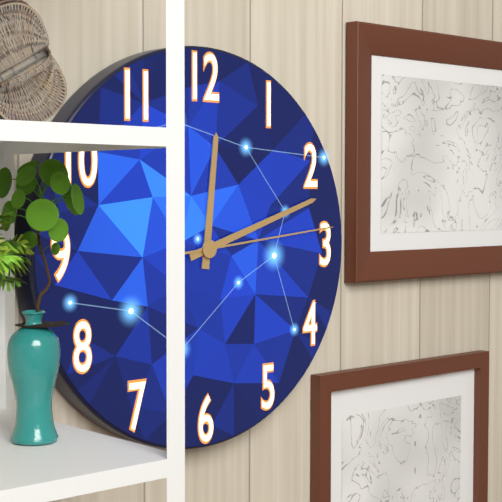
12:12:14
